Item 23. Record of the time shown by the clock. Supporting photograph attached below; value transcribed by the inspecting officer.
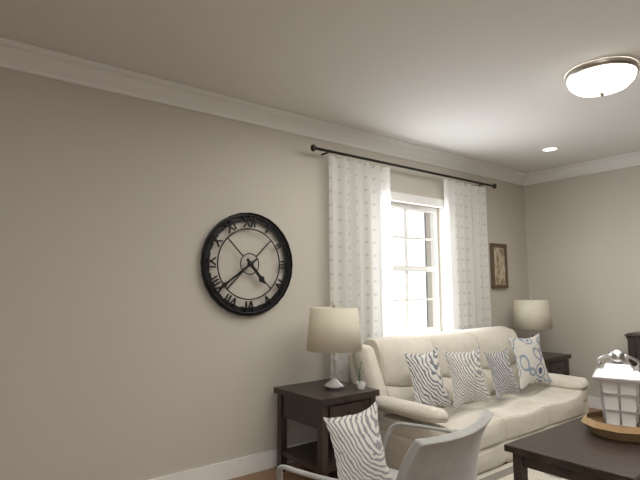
4:39
